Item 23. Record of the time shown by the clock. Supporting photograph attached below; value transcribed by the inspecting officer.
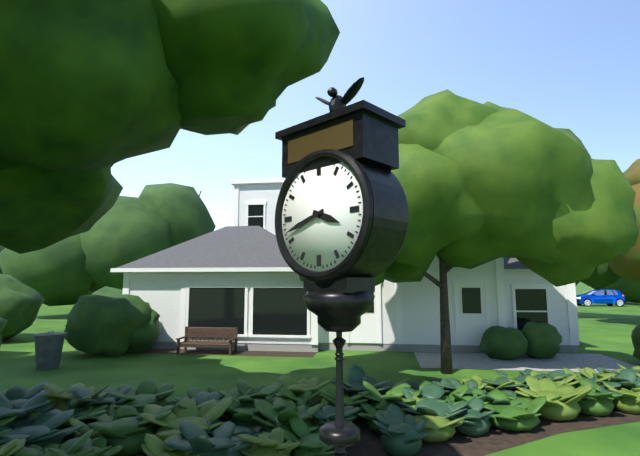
3:42
